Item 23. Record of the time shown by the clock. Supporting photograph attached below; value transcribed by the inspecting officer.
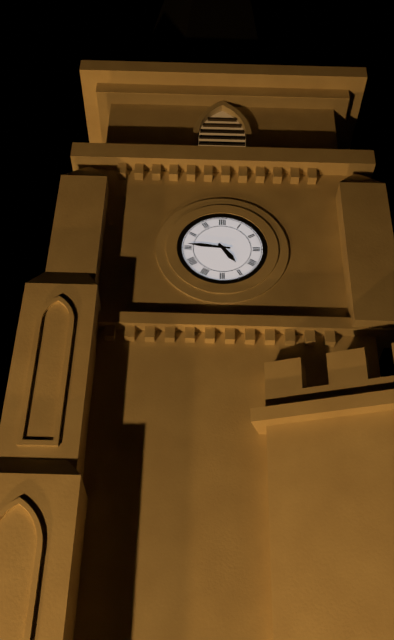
4:46
